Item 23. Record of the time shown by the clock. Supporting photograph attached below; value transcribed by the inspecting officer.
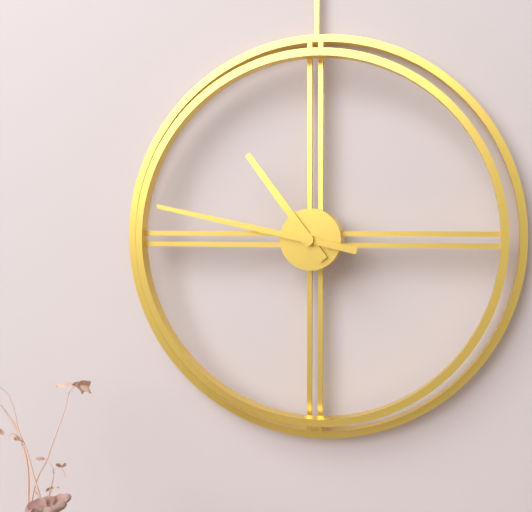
10:47
